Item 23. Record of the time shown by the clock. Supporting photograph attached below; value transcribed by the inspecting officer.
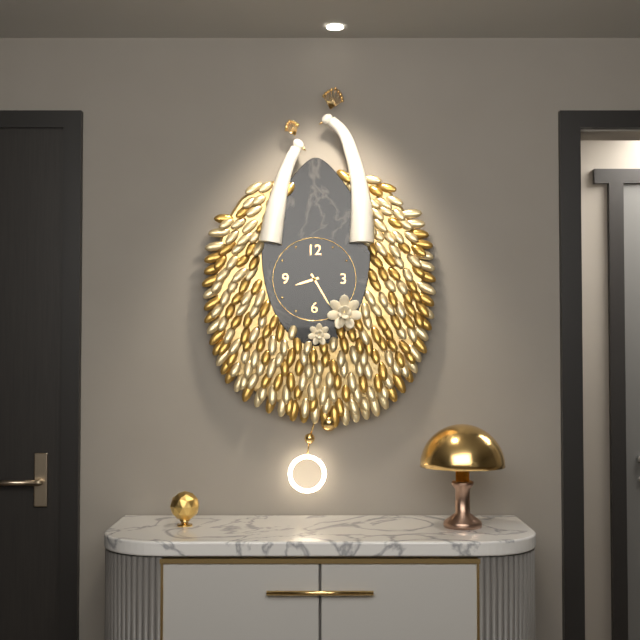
8:25
